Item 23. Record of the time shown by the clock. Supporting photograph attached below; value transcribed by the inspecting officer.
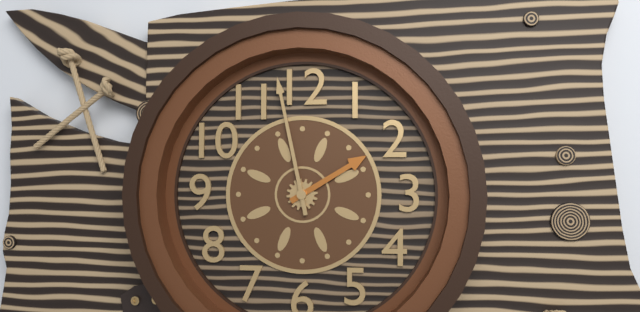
1:58
